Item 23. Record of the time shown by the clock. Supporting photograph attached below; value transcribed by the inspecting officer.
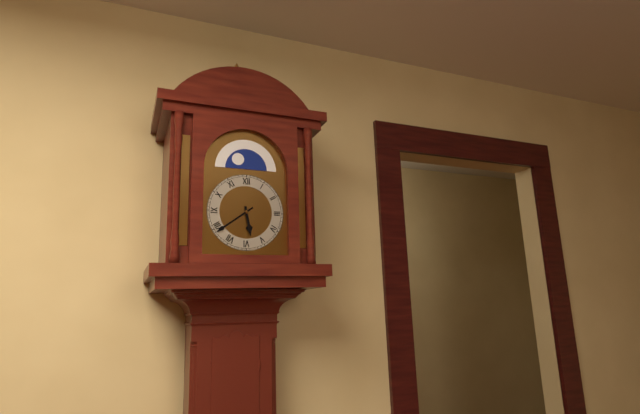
5:39
